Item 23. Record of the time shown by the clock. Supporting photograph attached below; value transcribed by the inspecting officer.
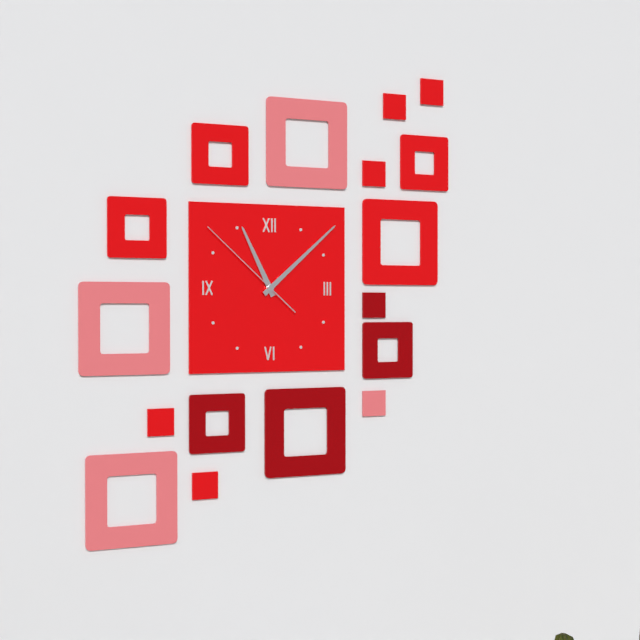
11:08:52
